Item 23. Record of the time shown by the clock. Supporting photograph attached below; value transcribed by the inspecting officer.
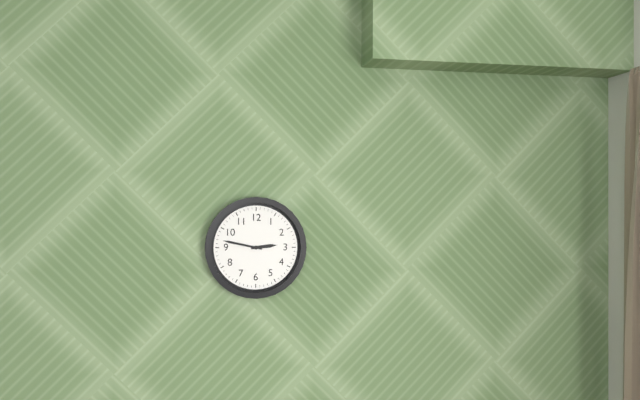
2:47
